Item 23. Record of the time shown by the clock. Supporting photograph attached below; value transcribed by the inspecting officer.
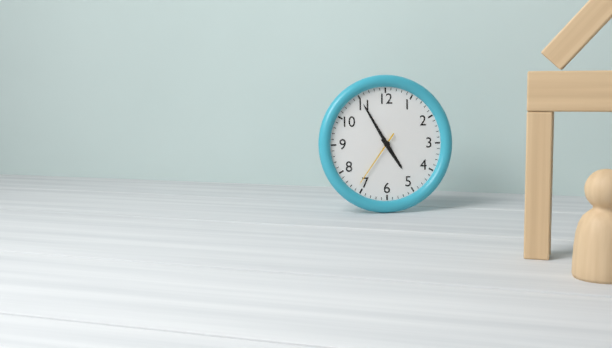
4:55:36
